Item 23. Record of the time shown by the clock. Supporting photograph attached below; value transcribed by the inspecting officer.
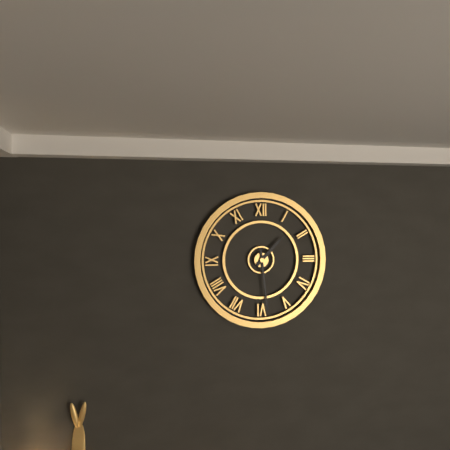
1:29
